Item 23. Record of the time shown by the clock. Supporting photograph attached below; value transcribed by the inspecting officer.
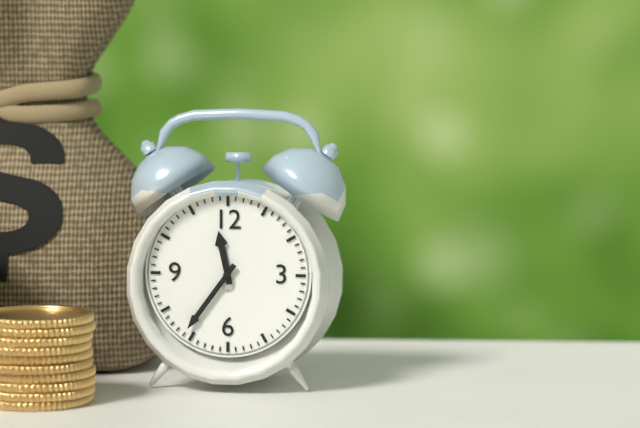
11:36
